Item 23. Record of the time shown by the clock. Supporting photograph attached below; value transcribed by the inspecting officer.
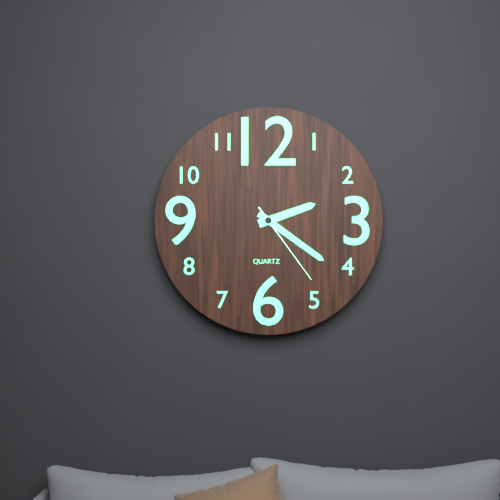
2:21:24
